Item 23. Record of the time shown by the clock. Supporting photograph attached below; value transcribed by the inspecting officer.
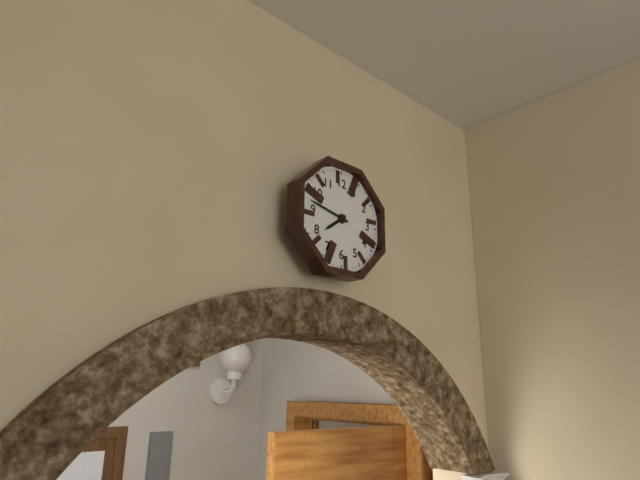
7:47
